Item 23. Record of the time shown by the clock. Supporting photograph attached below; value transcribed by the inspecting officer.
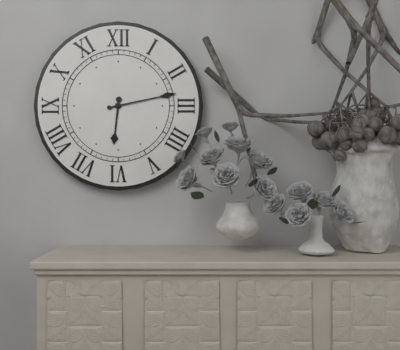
6:13
